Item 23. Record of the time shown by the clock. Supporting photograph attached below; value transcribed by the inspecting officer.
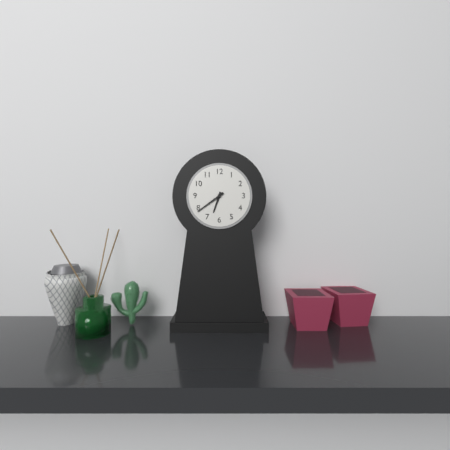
6:39
